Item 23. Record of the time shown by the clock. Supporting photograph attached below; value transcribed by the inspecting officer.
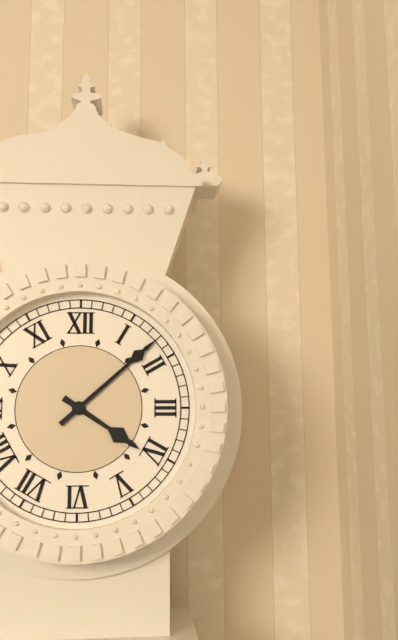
4:08
